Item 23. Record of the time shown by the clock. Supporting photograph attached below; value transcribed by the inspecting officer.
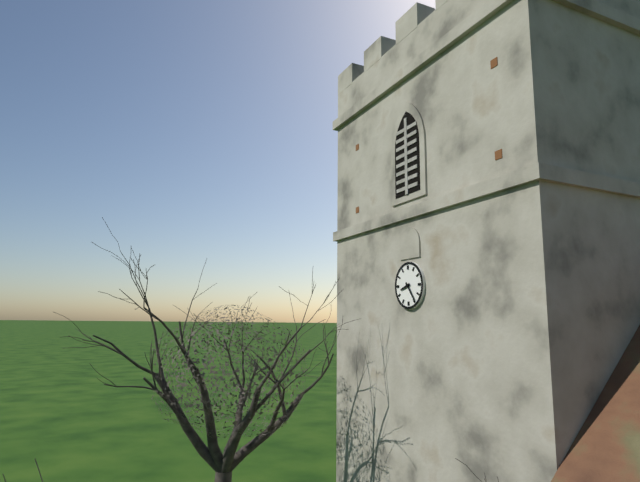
8:24
